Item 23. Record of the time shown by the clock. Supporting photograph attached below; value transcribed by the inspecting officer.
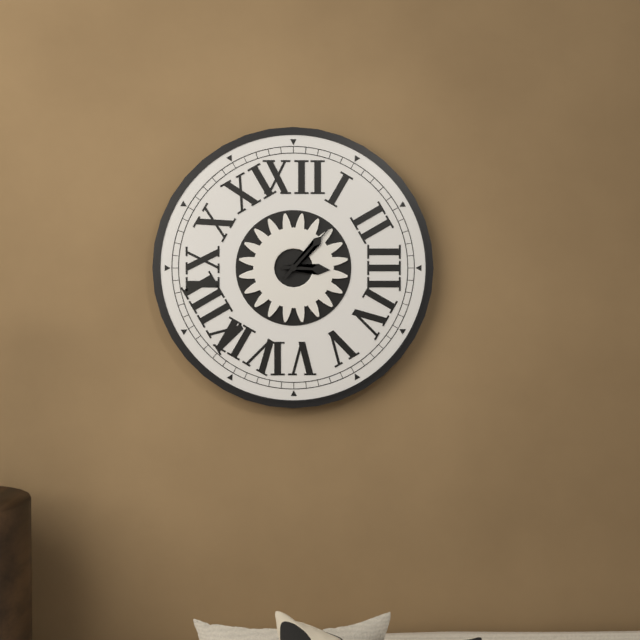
3:07
